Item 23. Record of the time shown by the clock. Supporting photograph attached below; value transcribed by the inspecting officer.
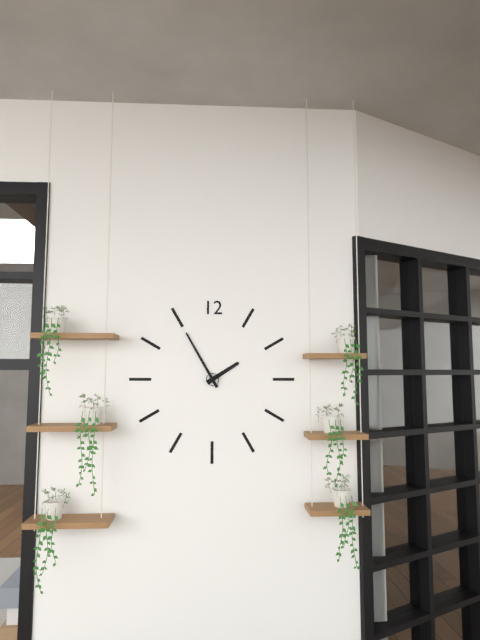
1:55
